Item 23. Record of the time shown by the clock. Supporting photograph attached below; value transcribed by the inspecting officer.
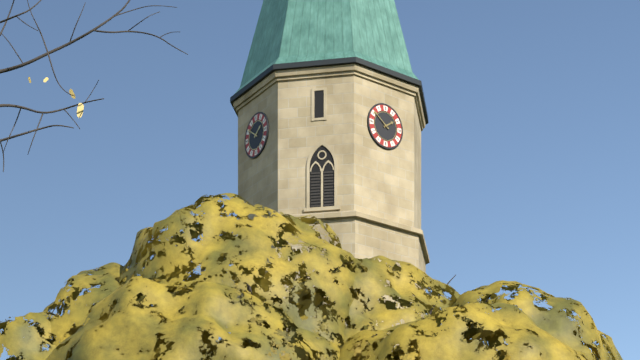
1:51
